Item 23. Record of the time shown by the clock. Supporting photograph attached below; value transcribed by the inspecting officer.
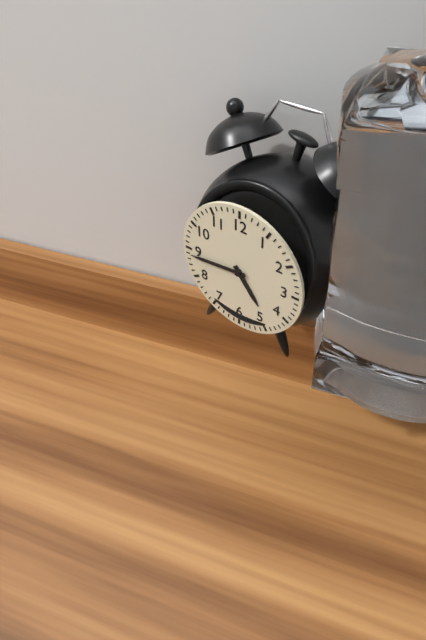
4:44
